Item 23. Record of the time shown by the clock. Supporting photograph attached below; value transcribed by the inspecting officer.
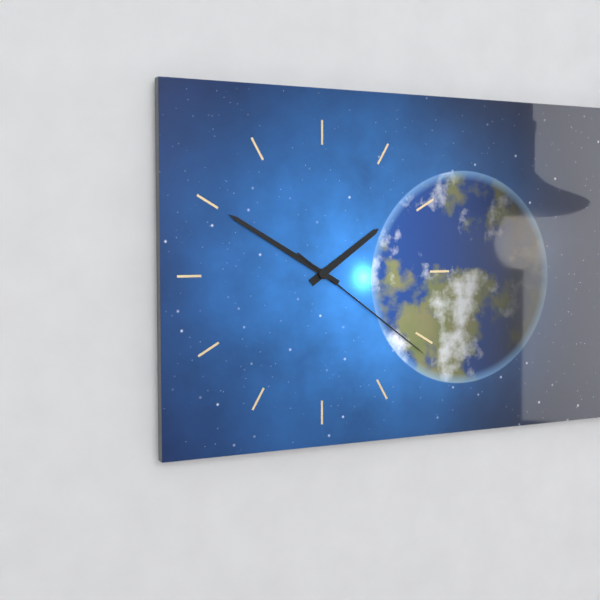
1:50:21
